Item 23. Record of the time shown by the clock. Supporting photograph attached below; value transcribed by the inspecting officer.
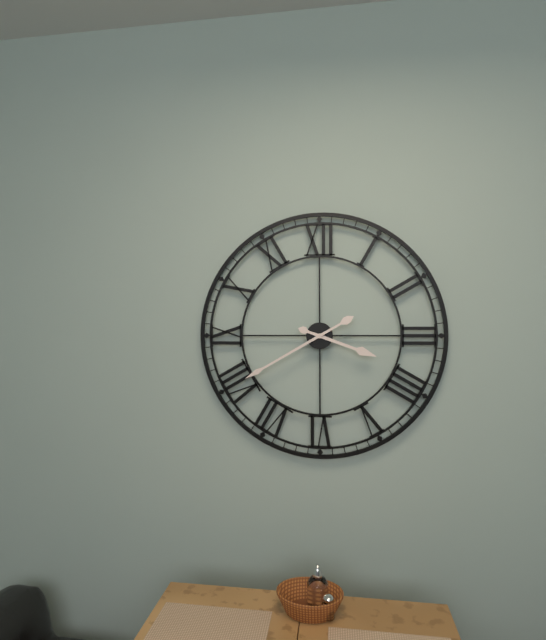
3:40
